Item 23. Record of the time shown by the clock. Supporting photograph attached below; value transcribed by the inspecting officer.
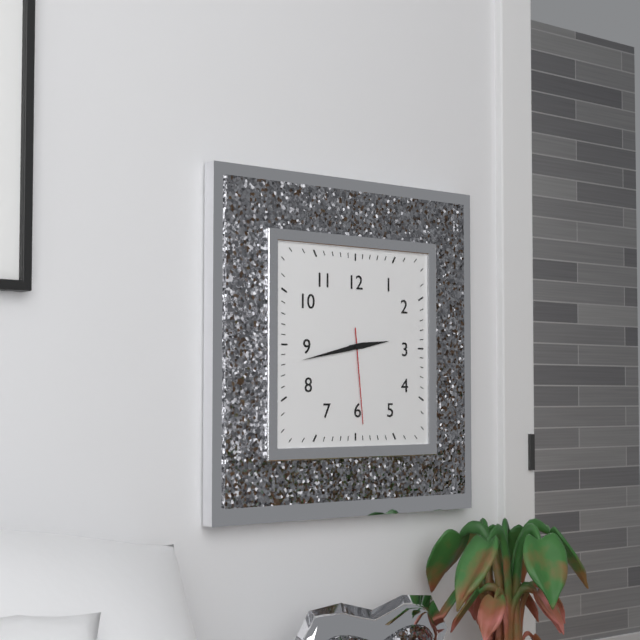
2:43:29
